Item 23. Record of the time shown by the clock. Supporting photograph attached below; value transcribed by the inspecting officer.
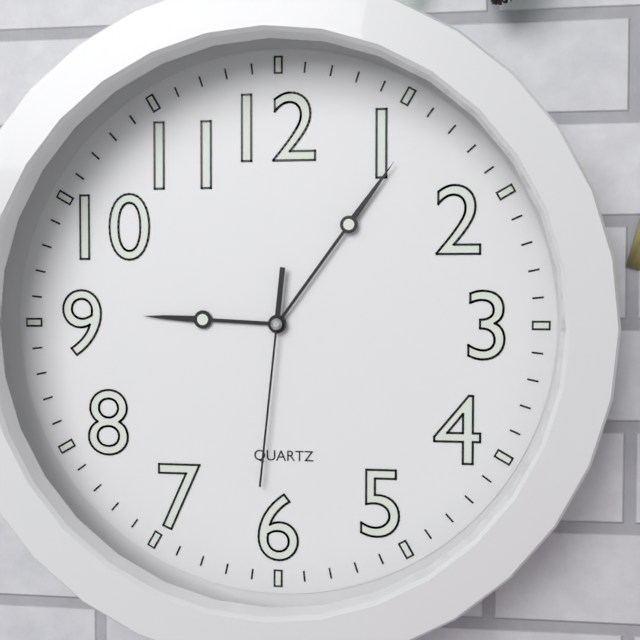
9:06:31
